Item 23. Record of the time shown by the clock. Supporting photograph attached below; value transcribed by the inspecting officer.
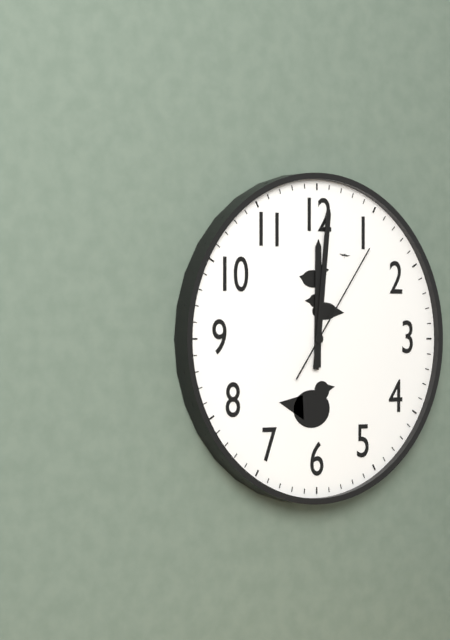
12:01:06
